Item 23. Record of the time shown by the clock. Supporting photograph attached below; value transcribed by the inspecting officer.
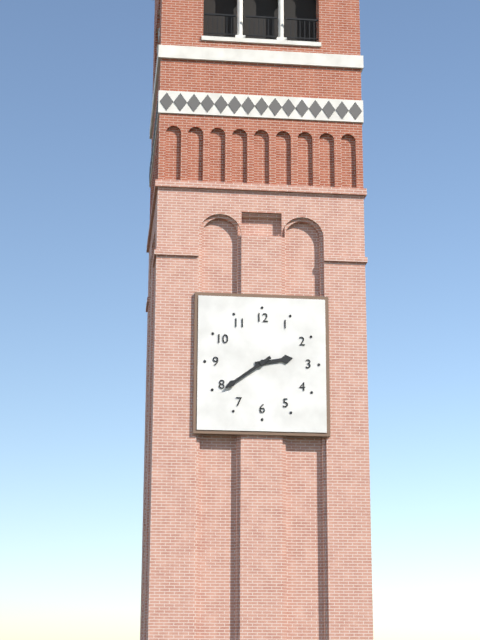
2:39
